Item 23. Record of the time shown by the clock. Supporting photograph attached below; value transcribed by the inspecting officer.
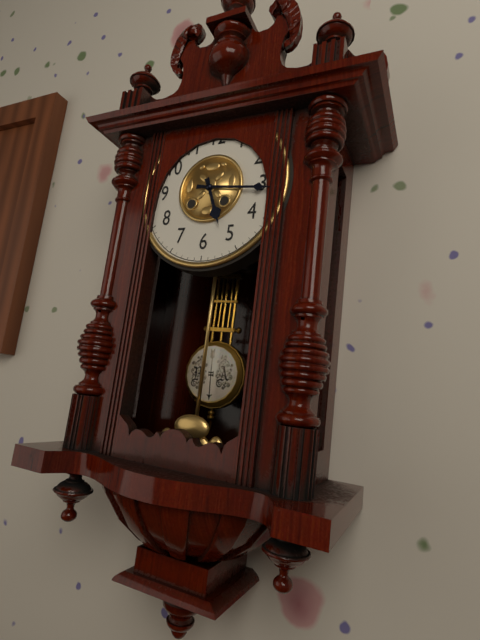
5:16
